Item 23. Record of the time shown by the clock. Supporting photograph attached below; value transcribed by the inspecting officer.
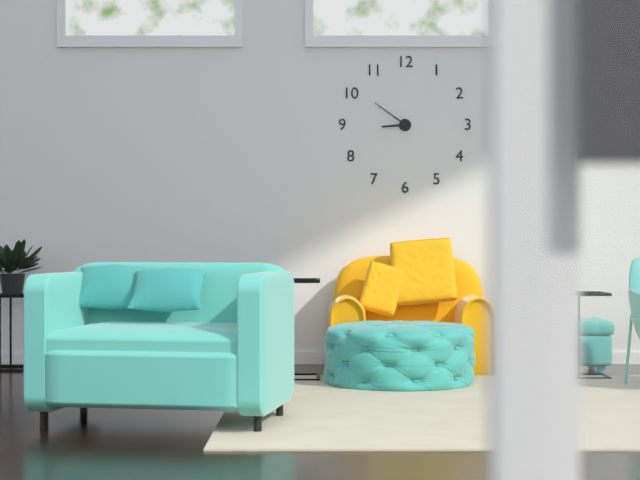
8:51
